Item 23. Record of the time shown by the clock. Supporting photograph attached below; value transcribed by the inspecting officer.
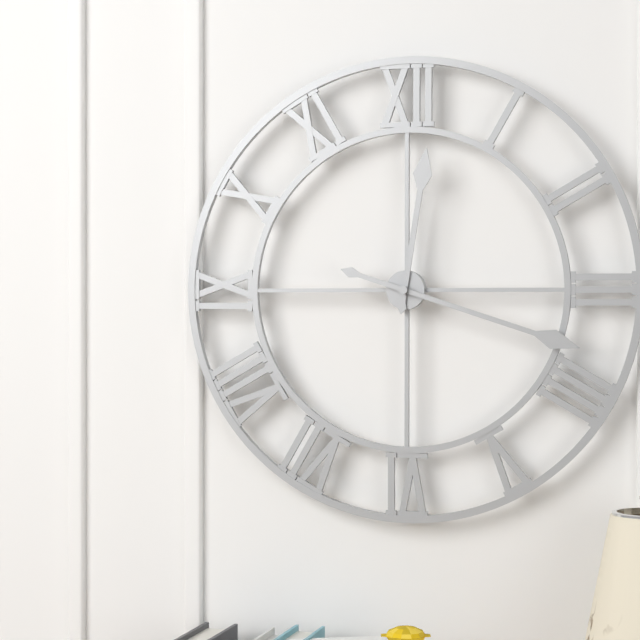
12:18
